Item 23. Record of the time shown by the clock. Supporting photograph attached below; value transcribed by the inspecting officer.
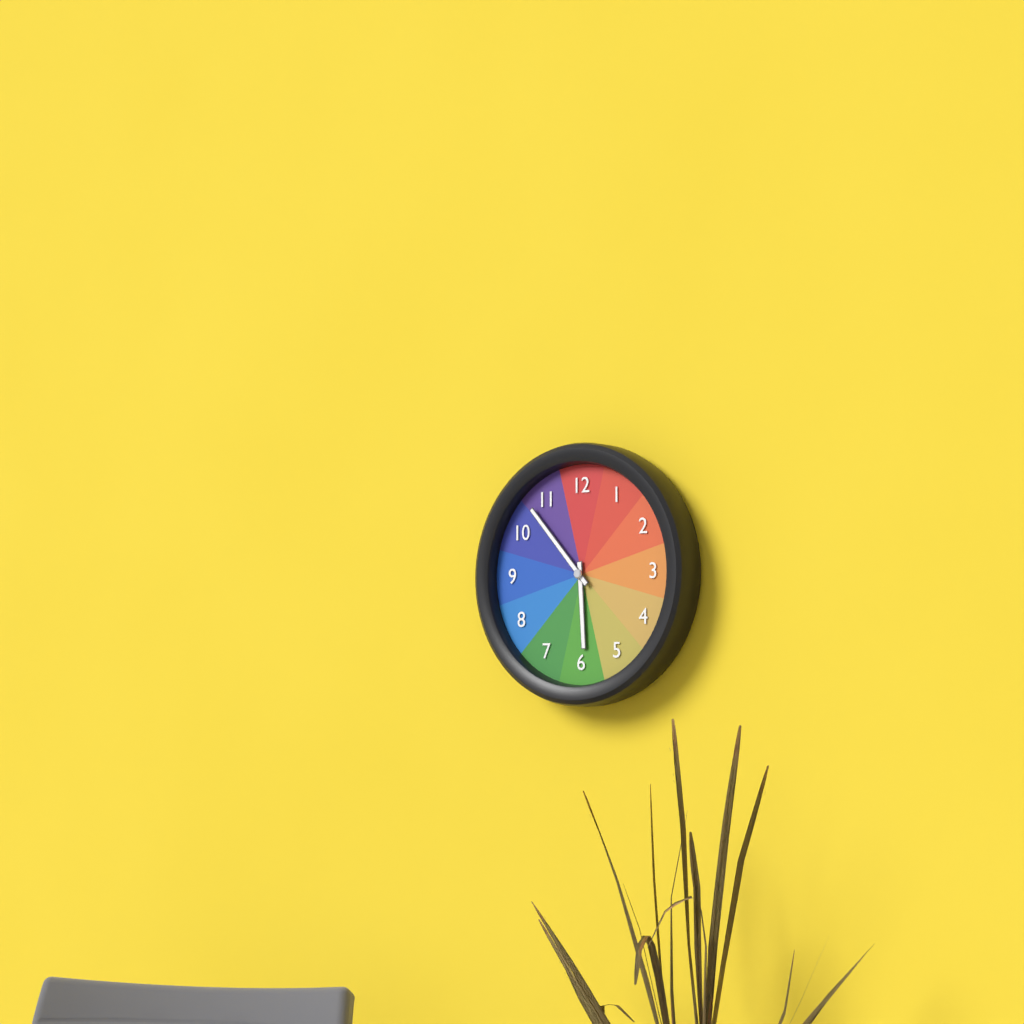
5:53
